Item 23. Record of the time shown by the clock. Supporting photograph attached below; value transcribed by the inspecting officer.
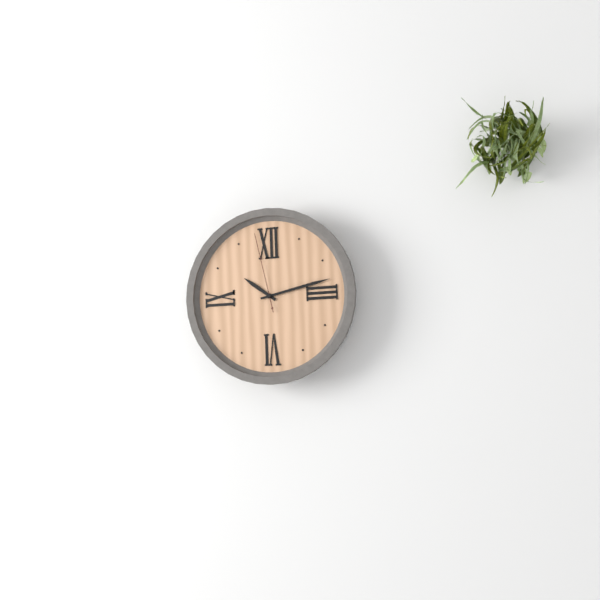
10:13:58
